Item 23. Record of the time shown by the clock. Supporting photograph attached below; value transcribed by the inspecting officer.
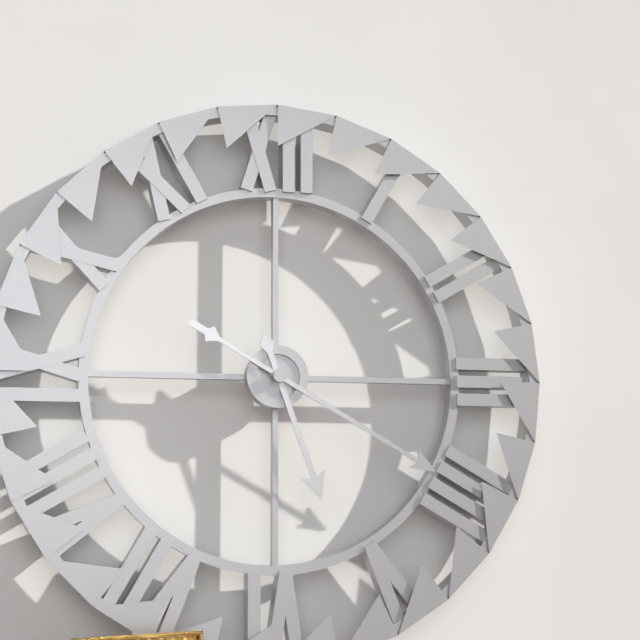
5:20
